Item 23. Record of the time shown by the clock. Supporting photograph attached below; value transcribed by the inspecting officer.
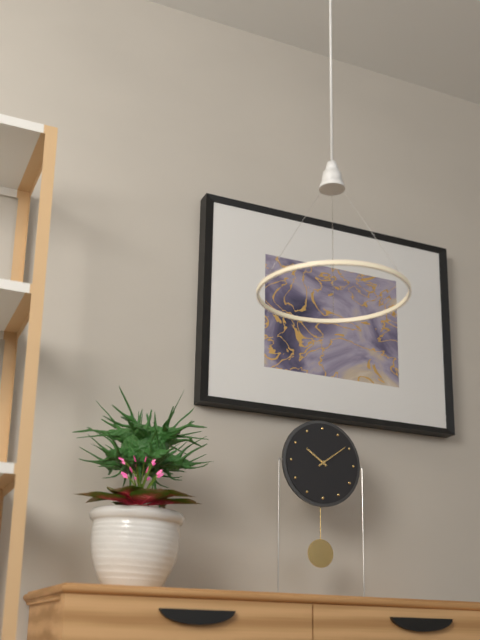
10:09
